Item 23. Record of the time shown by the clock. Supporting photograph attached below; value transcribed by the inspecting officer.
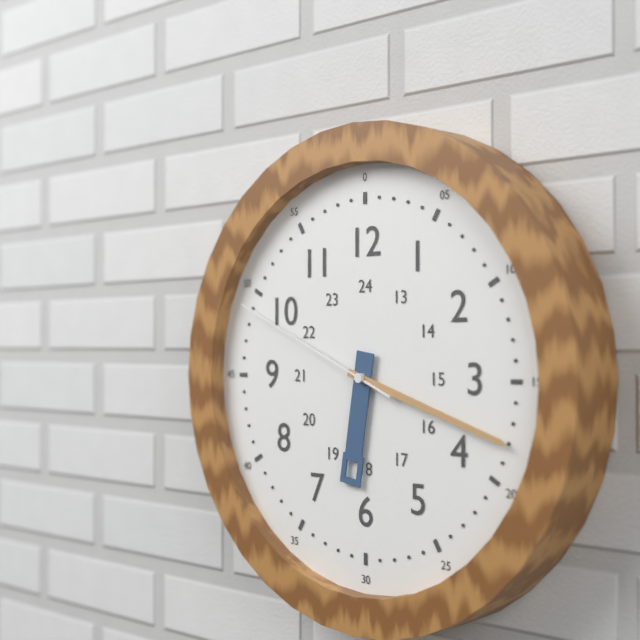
6:18:49
